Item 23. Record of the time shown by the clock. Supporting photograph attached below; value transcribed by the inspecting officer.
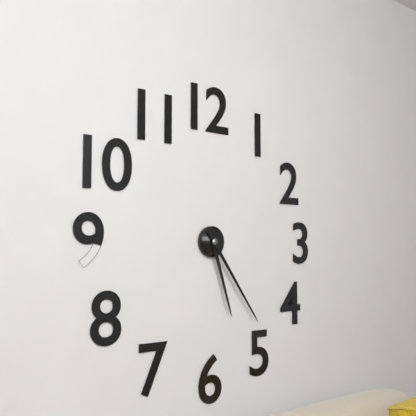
5:24
